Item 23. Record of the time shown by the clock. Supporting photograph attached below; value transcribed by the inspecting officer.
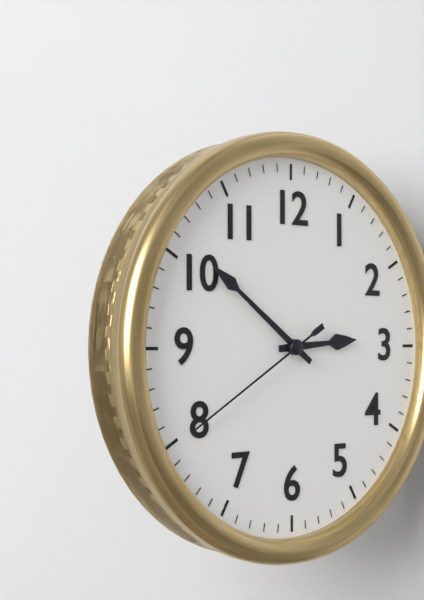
2:51:40
